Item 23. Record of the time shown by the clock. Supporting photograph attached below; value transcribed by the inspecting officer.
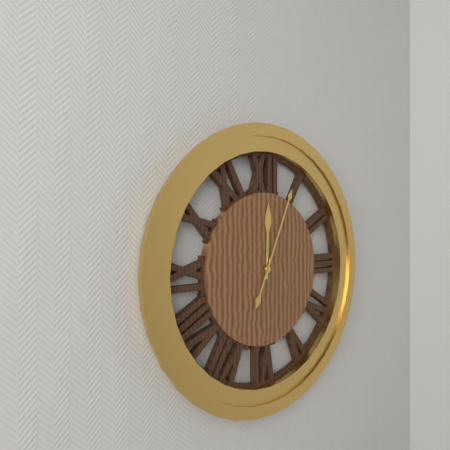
12:04
